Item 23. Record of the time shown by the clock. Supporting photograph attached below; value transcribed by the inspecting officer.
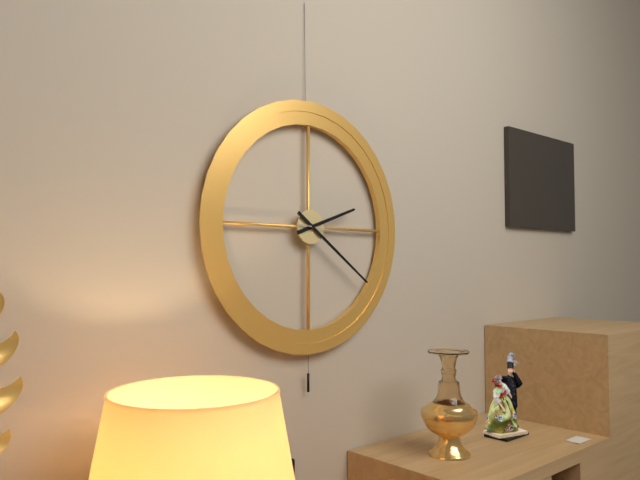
2:21:16
